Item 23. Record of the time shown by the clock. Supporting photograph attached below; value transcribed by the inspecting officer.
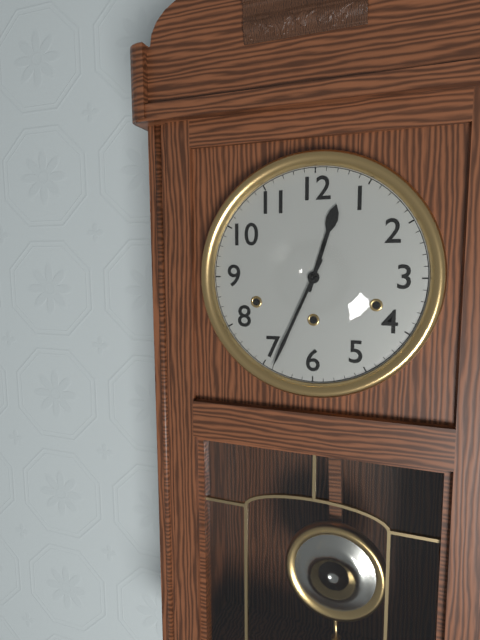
12:34
